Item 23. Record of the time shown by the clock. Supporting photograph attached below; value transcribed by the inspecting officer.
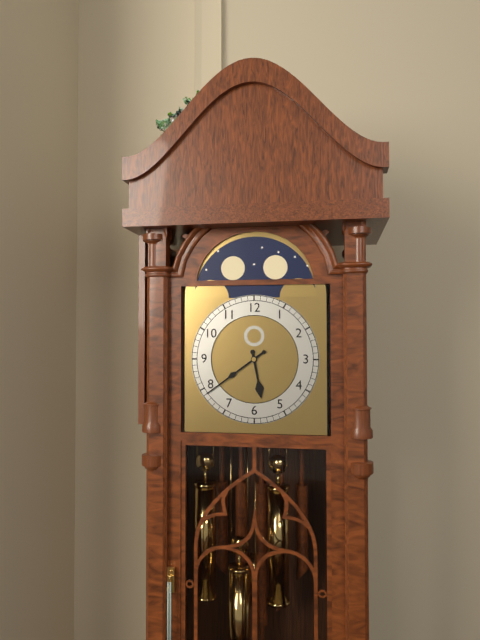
5:39
